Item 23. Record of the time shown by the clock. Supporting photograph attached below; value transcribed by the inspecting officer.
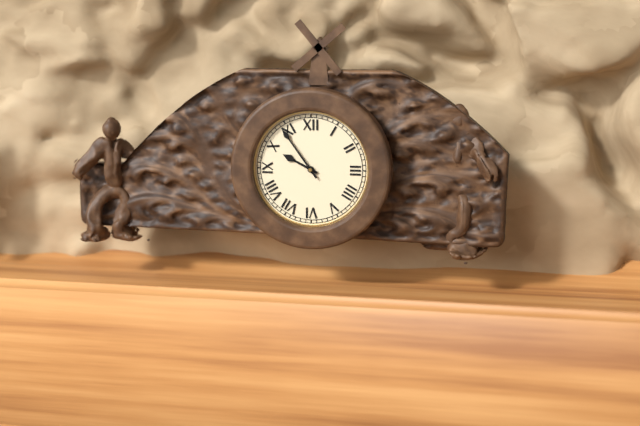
9:54
